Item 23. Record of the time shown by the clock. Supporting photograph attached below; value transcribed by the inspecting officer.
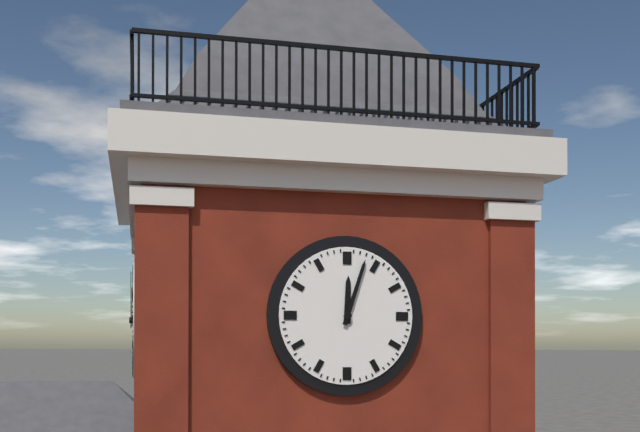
12:03
